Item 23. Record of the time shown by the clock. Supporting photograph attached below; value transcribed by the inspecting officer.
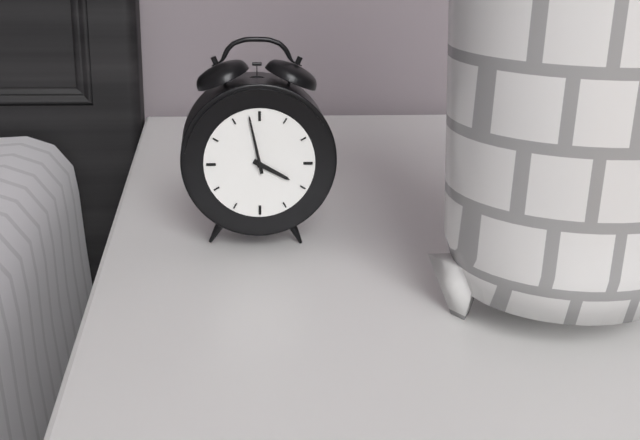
3:58
